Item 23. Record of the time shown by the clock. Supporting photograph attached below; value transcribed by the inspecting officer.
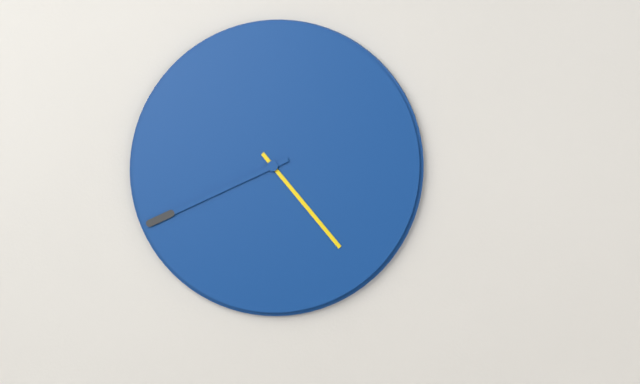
4:41
